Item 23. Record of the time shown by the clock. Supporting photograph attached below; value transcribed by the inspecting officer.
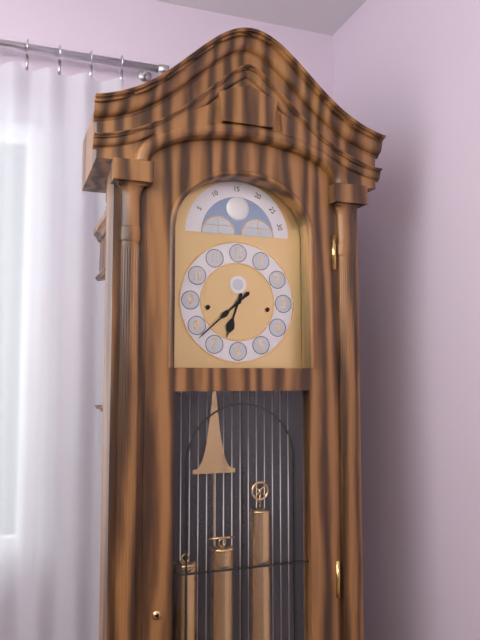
6:38
